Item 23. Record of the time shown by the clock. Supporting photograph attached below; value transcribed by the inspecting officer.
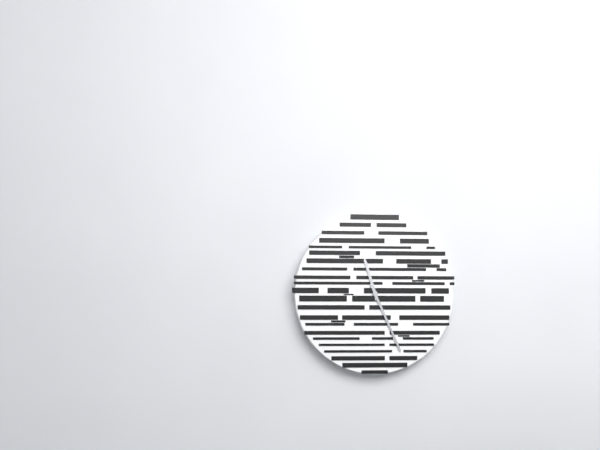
11:26
